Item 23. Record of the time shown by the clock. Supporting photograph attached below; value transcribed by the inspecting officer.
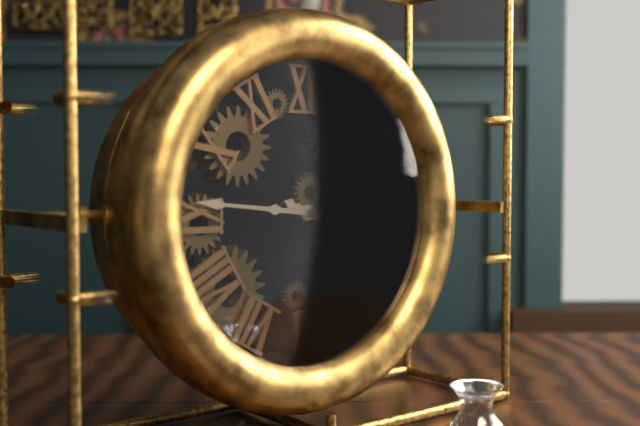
3:46
